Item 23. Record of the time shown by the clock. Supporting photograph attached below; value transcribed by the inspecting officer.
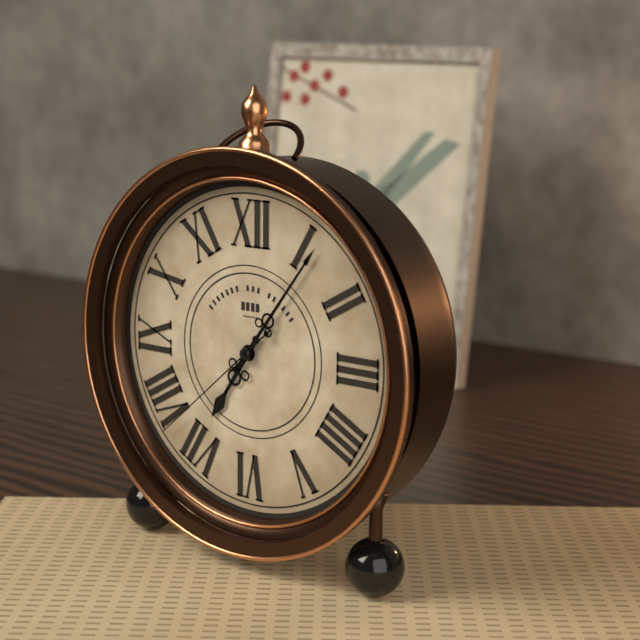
7:06:38
